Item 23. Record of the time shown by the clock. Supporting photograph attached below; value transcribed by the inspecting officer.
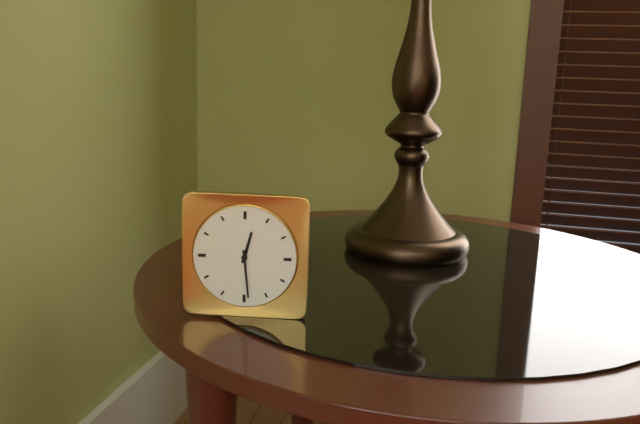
12:29
